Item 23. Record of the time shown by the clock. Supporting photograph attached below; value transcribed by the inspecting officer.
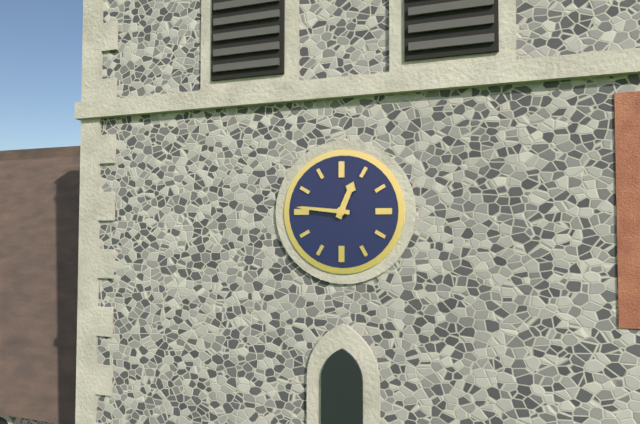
12:46
